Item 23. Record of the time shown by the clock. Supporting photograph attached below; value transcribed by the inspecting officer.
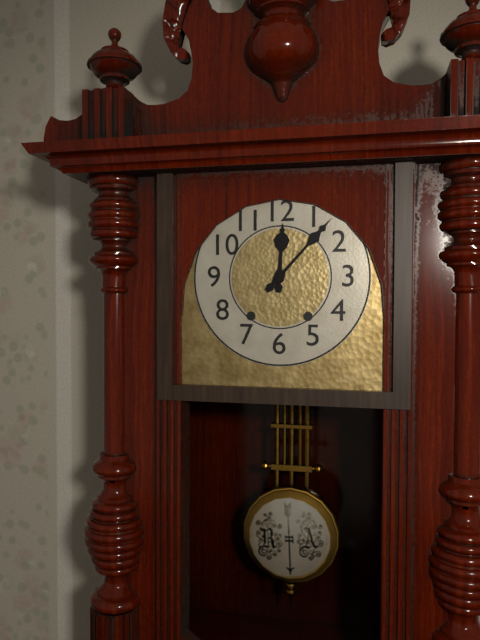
12:07
